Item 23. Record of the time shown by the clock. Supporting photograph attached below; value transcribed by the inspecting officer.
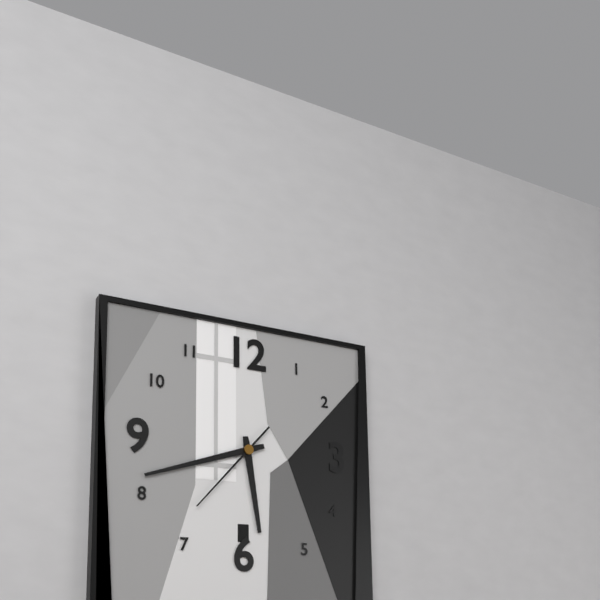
5:42:37
